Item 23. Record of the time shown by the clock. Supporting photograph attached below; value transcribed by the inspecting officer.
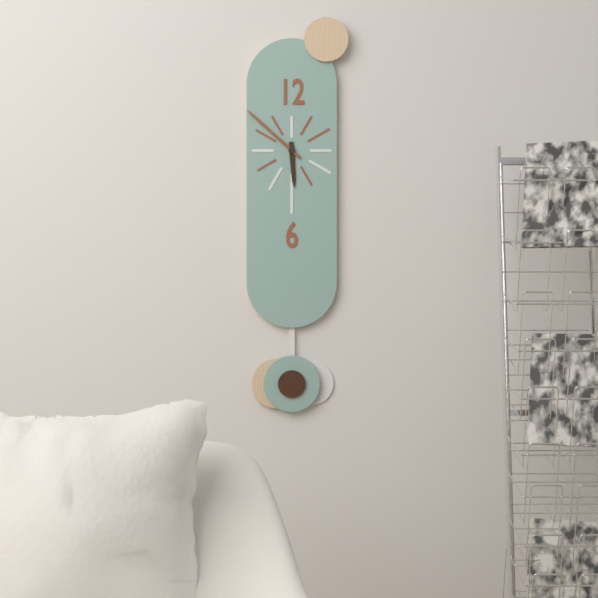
5:52
